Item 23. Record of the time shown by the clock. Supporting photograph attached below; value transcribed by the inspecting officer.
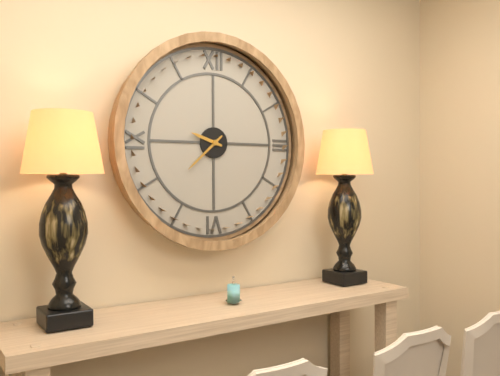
9:38
